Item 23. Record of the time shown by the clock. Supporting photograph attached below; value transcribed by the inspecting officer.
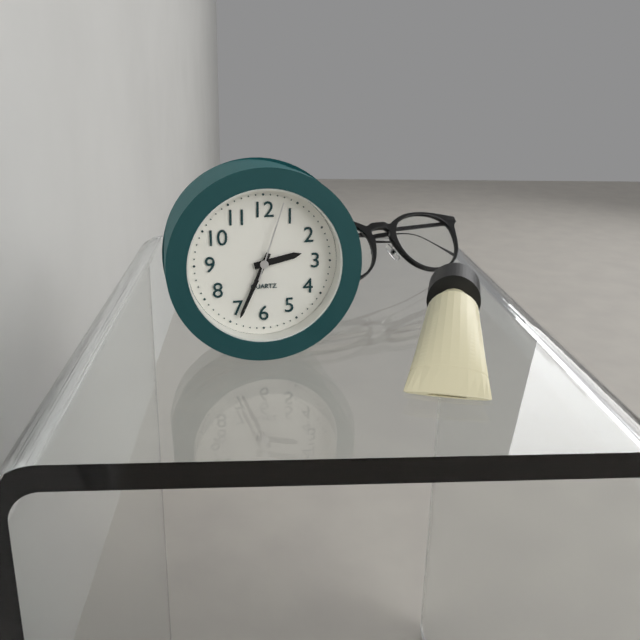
2:34:03
